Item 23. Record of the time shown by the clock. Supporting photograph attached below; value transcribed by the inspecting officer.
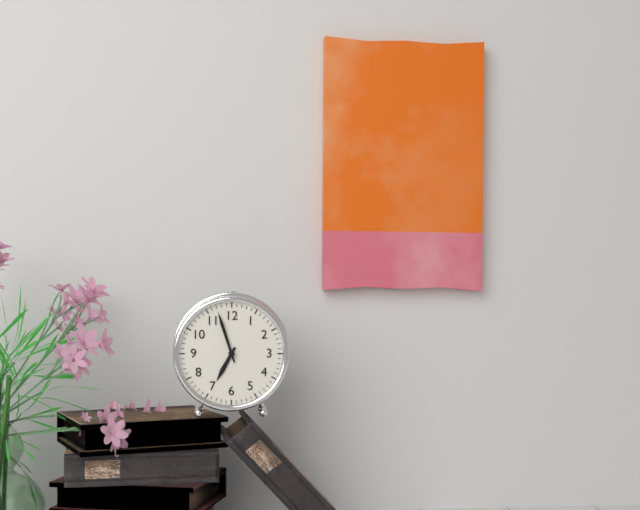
6:57
